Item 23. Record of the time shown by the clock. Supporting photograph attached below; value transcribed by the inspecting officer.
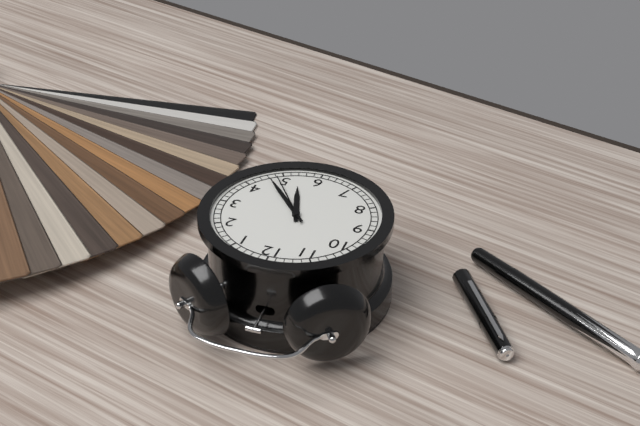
5:23:24
